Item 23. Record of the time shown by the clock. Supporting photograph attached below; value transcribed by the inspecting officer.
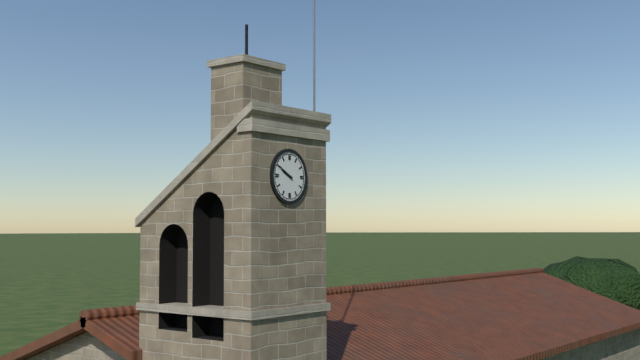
9:50
